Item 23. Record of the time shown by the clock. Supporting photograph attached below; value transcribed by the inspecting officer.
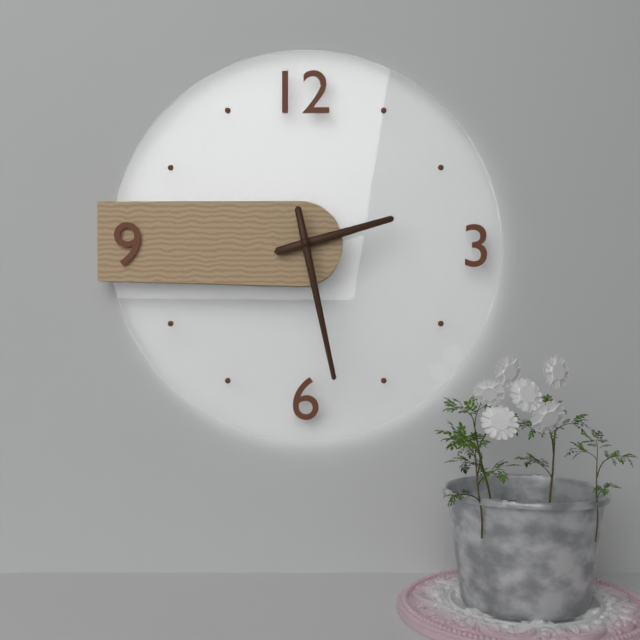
2:28
